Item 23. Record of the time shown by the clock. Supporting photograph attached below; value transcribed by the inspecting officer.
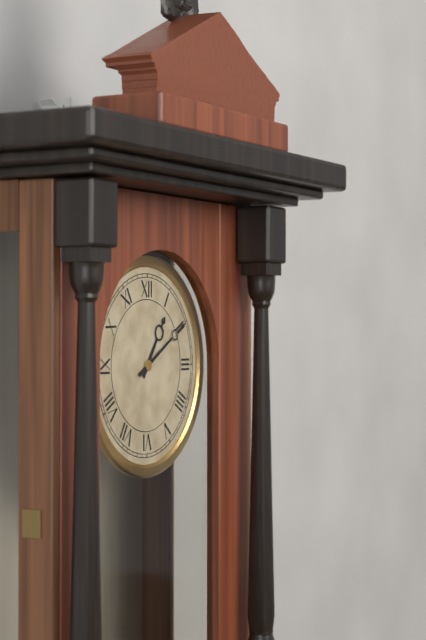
1:10
